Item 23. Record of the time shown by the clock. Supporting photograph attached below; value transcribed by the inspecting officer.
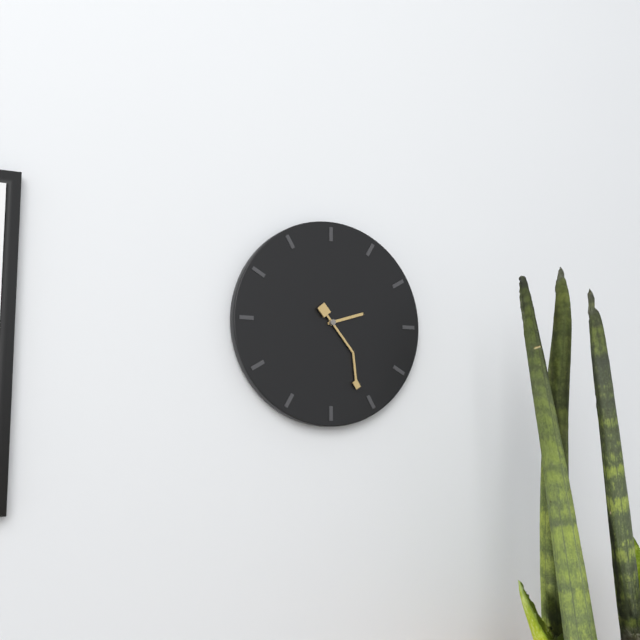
2:26
